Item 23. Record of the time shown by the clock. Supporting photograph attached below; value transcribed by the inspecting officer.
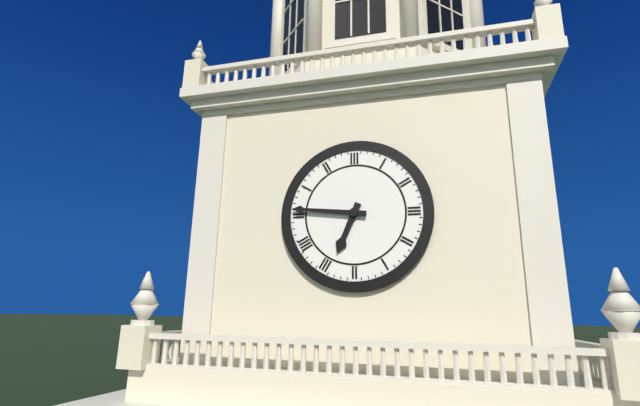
6:46
